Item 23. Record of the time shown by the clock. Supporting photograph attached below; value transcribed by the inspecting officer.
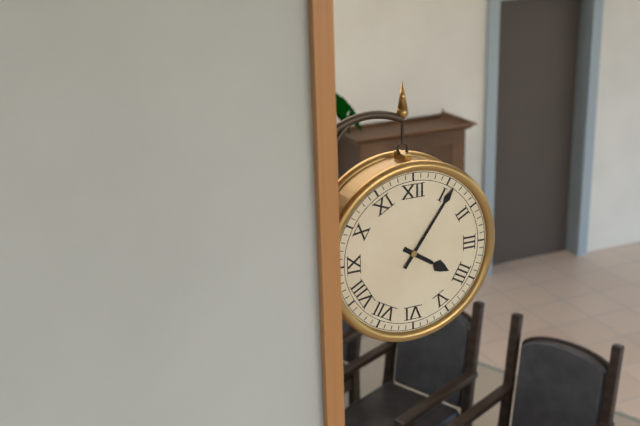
4:06
